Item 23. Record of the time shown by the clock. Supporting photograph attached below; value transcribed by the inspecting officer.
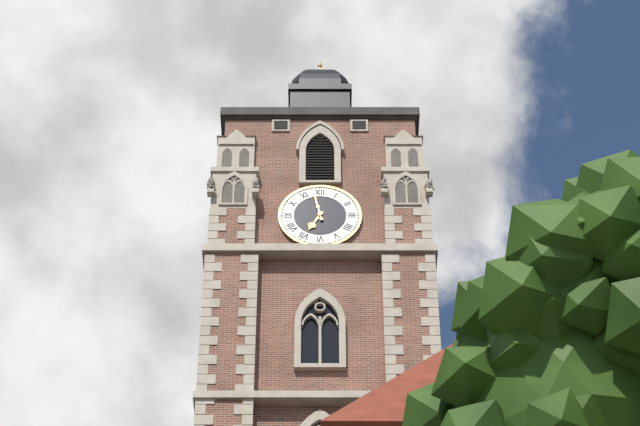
6:58
